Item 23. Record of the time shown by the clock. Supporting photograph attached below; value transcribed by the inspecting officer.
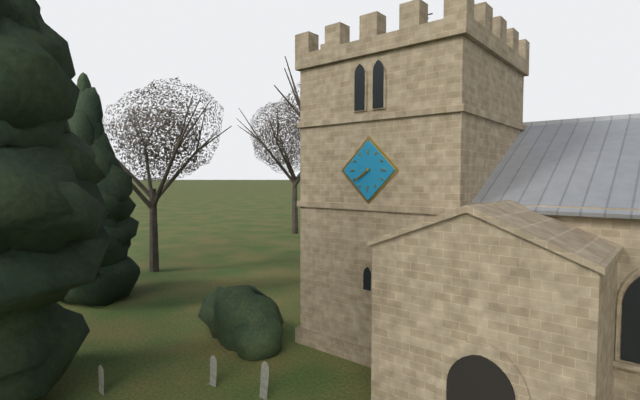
7:39
